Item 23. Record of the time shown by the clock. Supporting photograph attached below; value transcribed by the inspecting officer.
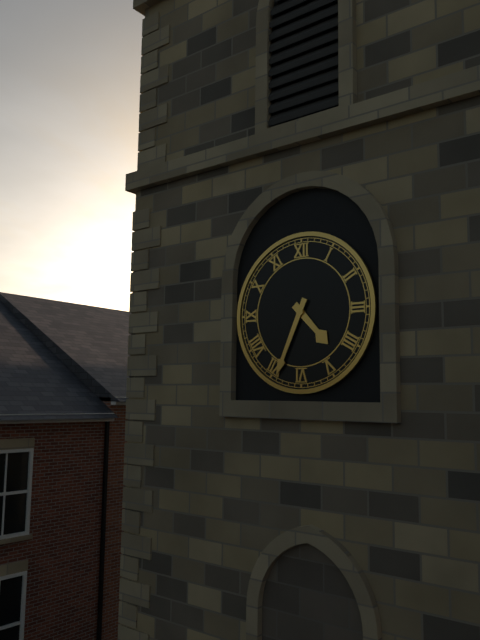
4:34
